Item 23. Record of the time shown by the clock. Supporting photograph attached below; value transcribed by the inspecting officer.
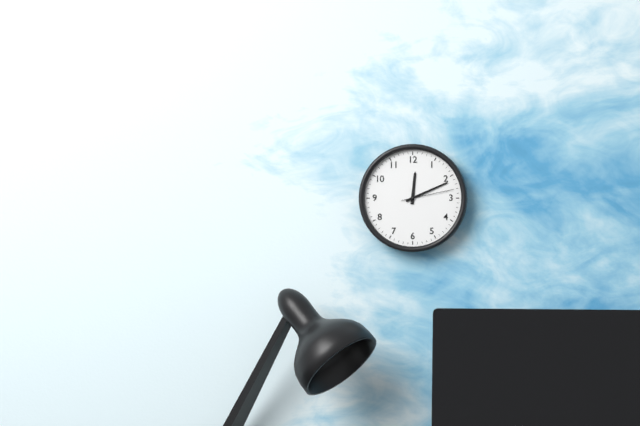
12:11:13
